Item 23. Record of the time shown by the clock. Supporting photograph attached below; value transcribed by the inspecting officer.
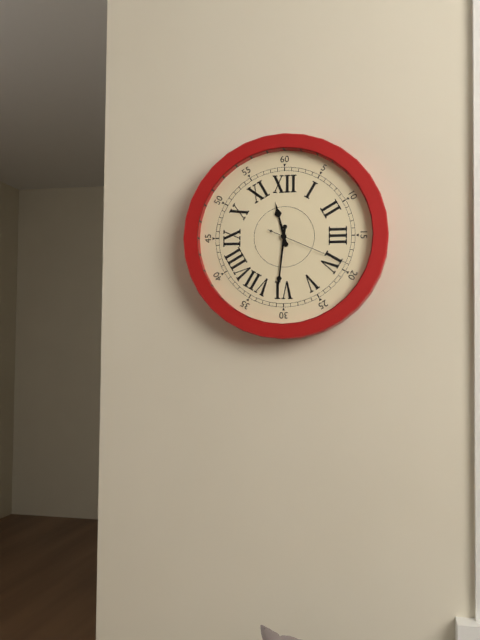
11:31:19
